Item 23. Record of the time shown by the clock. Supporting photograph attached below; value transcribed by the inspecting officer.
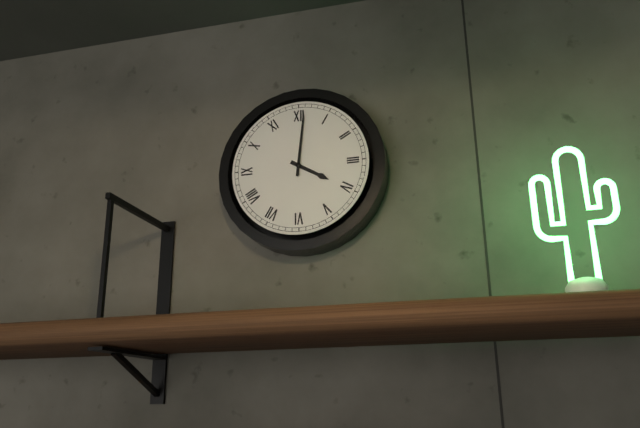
4:01
